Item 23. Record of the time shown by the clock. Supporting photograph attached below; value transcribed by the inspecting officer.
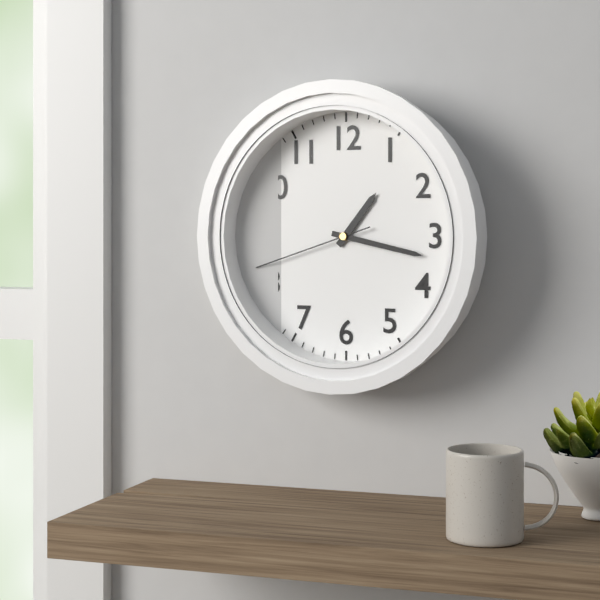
1:17:42
